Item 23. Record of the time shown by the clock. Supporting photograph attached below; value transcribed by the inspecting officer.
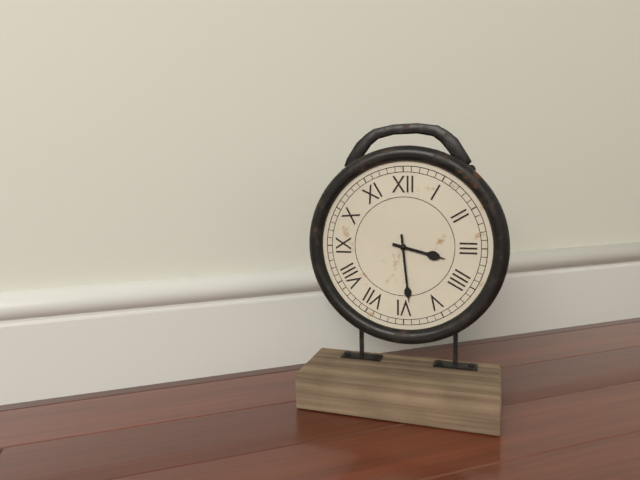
3:29
